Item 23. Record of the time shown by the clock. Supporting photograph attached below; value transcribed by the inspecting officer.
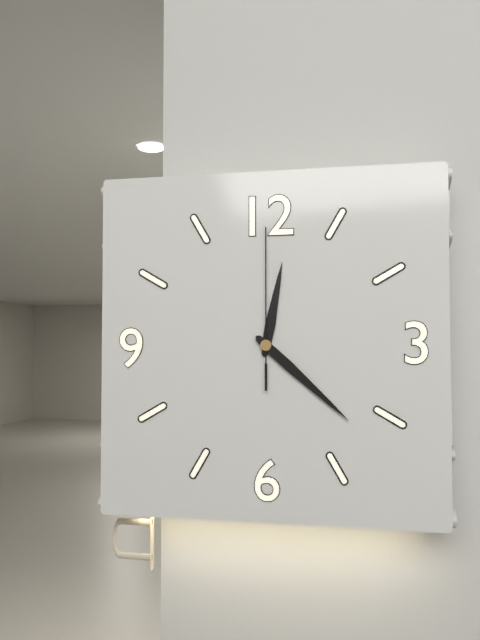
12:22:00
